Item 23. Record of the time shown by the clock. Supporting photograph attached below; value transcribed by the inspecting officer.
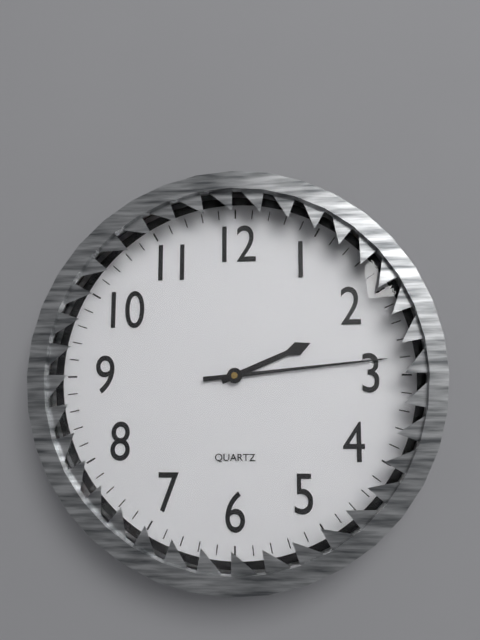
2:14
